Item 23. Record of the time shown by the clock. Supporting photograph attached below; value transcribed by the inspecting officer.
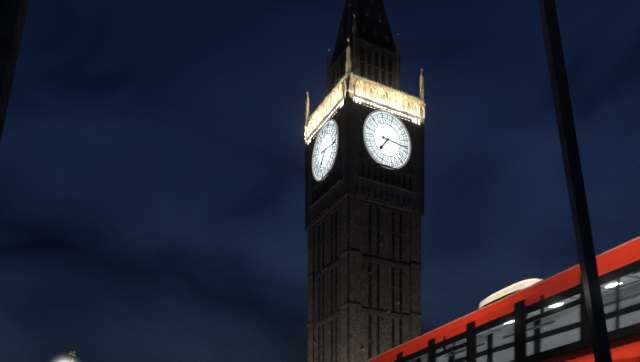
7:16
